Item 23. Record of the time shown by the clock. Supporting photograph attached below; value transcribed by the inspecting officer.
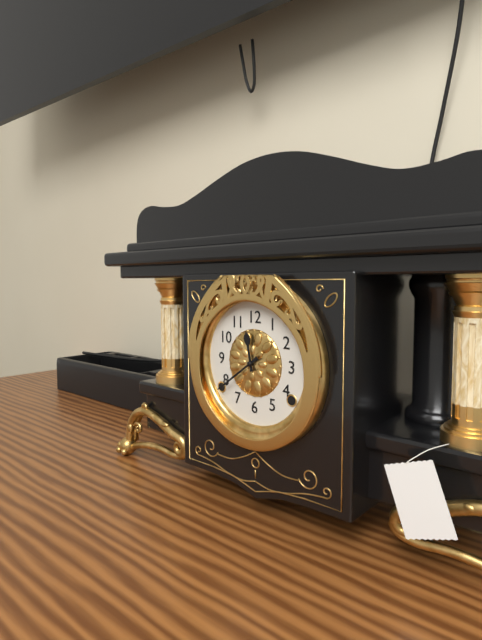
11:39
